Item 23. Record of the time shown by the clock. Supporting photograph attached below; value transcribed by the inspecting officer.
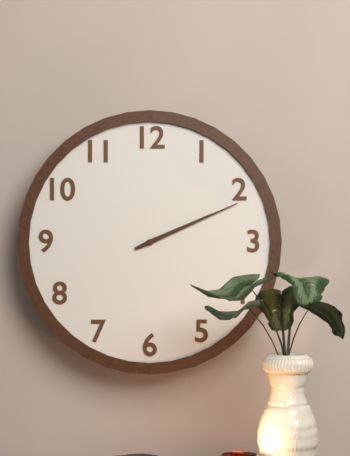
2:11
